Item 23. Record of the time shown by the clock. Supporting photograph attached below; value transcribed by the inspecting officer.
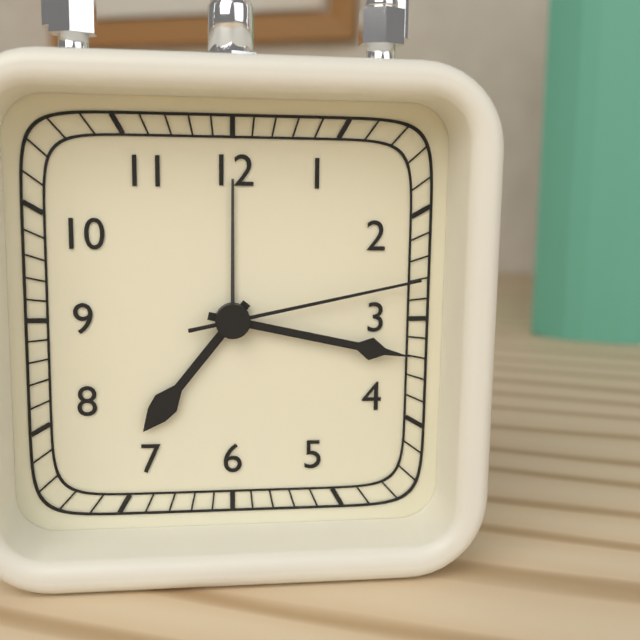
7:17:13
